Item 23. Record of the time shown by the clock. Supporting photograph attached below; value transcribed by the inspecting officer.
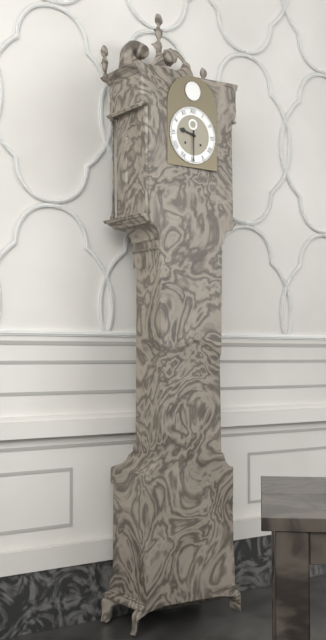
9:30
